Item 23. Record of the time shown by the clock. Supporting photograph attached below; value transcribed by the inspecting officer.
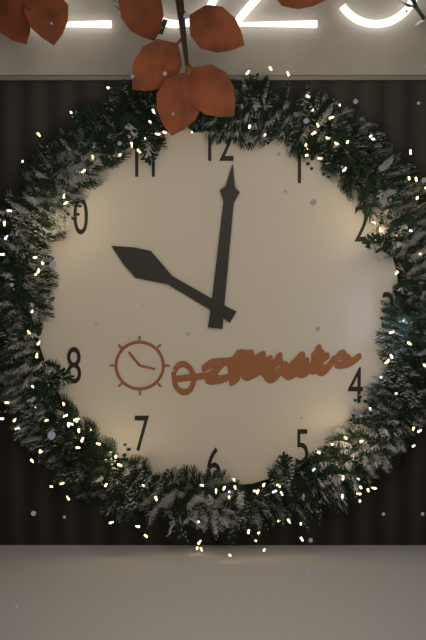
10:01
